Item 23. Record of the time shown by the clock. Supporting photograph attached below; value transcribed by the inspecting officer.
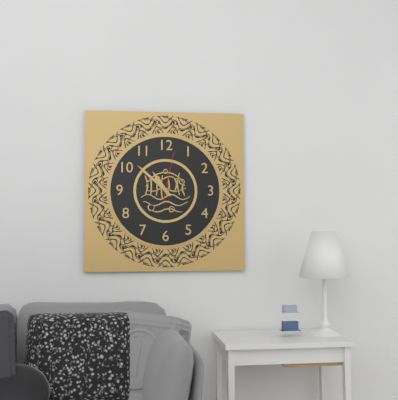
10:52:02
